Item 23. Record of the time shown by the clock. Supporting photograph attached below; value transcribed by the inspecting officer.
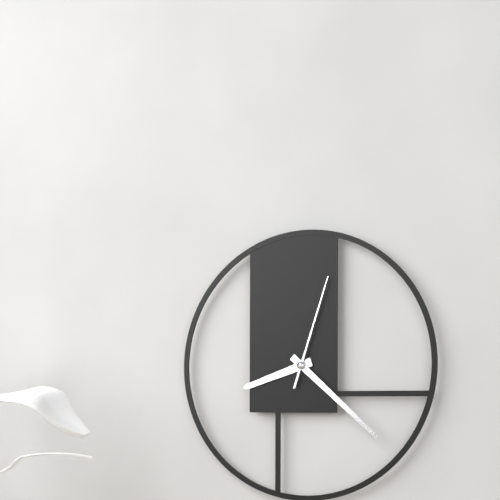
8:22:03
